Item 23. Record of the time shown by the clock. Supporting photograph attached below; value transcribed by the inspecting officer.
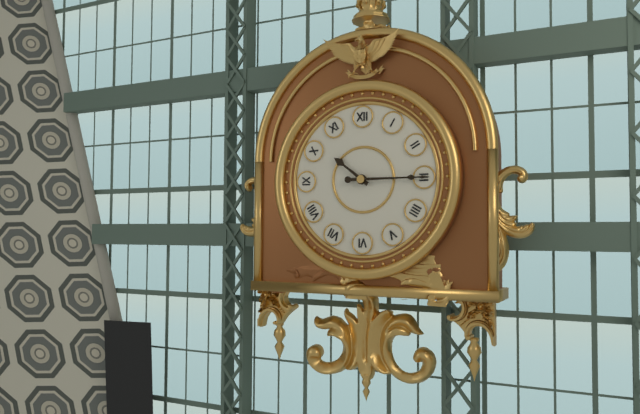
10:15
